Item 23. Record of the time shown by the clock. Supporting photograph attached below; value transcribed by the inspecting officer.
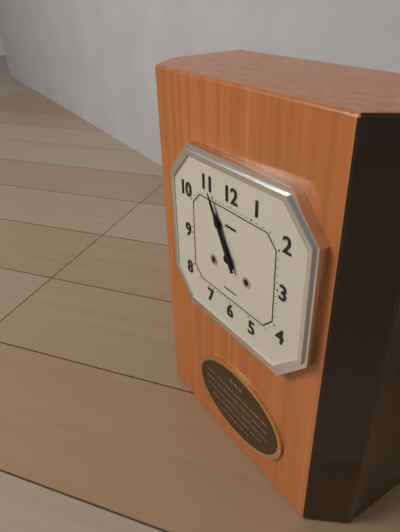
10:55
